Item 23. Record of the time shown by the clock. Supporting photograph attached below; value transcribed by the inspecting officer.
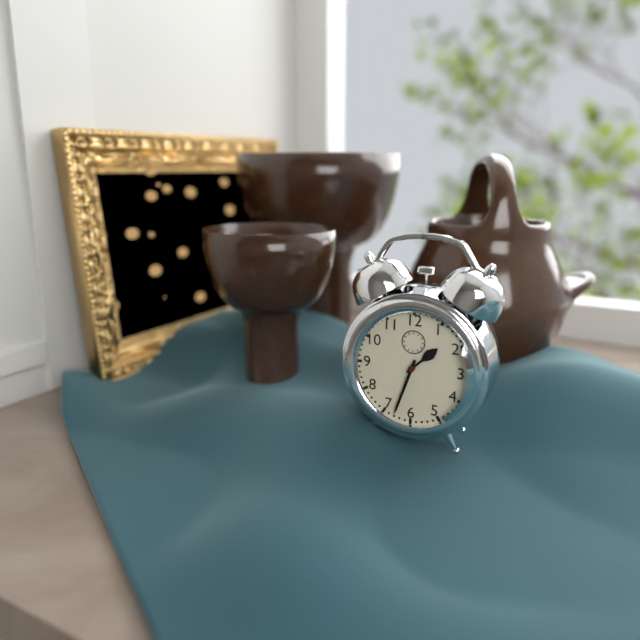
1:33
